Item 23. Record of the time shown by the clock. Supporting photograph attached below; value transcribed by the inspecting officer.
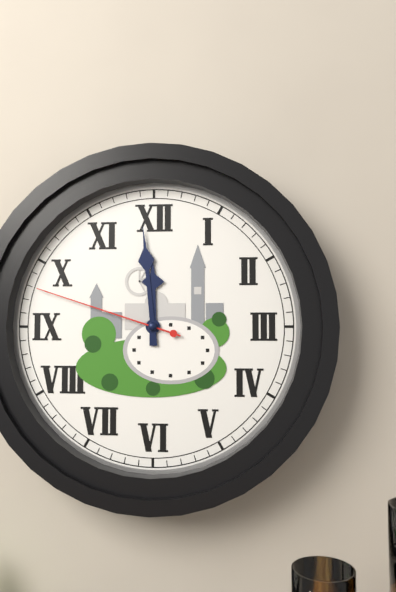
11:59:48
